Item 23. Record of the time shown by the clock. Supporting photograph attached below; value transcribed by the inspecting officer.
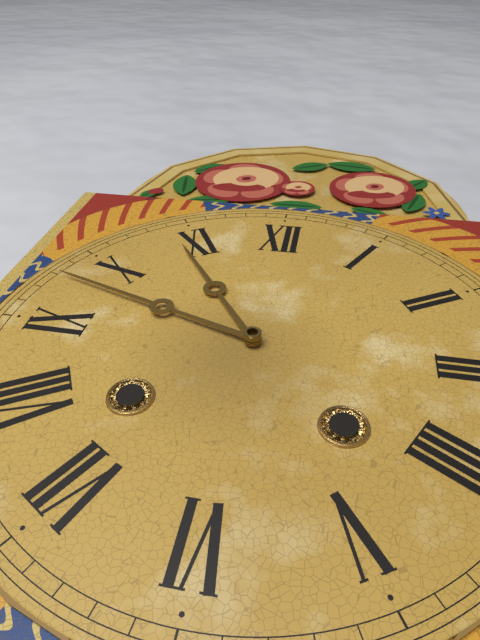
10:48
